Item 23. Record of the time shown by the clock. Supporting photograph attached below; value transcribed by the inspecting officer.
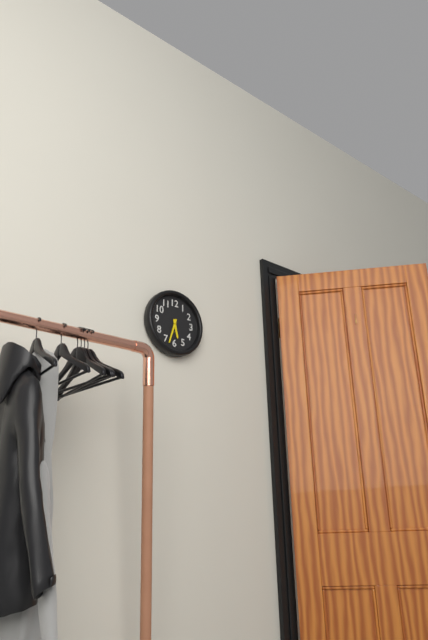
5:33
